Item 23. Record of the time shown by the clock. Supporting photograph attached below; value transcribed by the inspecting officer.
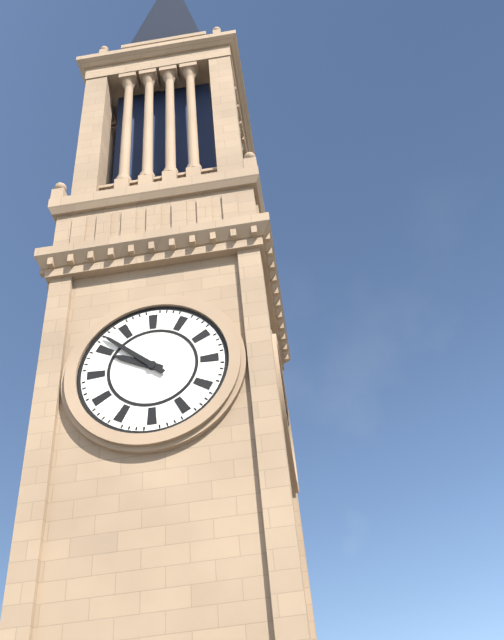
9:52
